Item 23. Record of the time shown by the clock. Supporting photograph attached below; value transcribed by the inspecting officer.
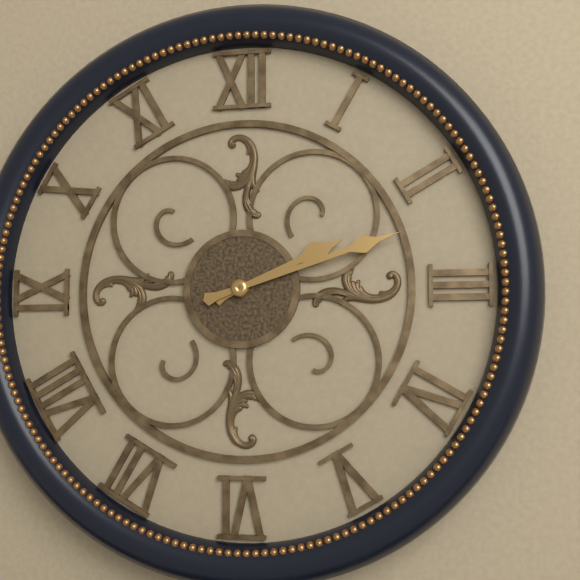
2:12
